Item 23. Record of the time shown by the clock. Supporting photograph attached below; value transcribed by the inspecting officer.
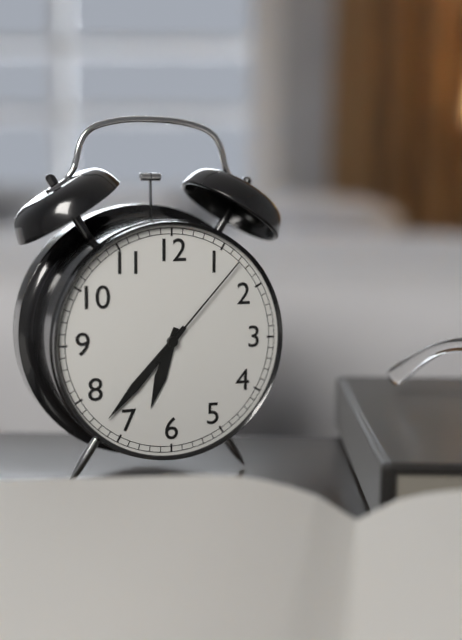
6:37:07
